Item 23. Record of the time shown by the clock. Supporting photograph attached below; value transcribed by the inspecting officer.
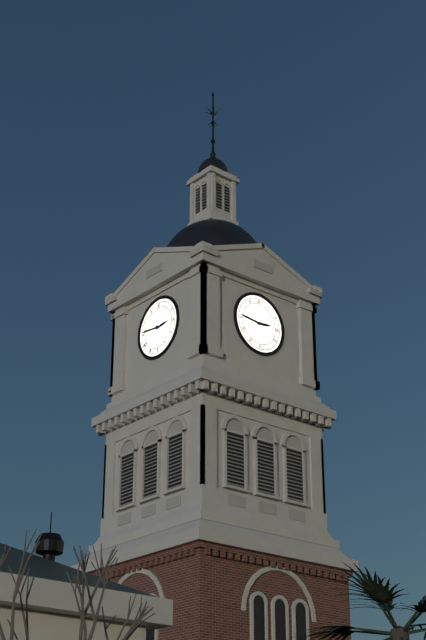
2:46
